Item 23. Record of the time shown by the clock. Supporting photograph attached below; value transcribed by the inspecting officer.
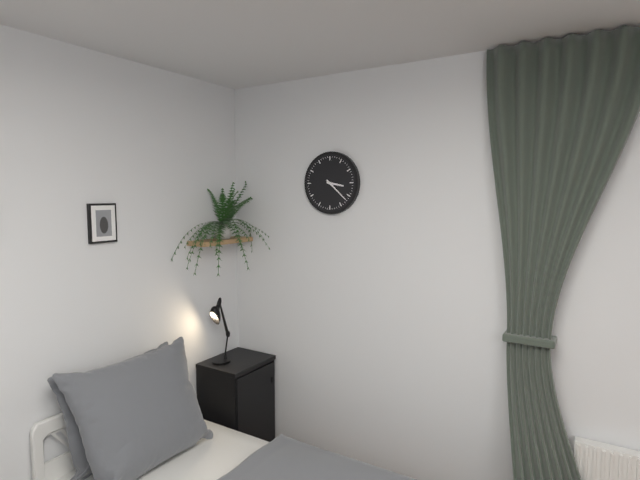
3:22
